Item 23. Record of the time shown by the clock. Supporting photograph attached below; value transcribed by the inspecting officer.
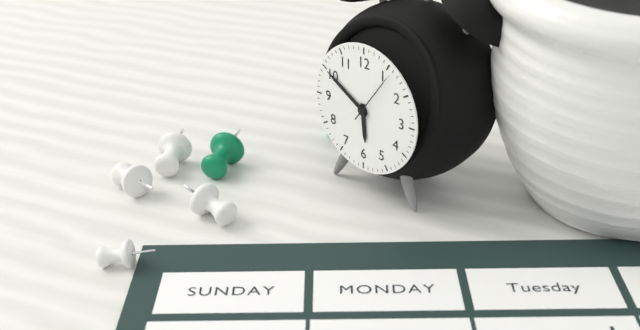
5:50:06
